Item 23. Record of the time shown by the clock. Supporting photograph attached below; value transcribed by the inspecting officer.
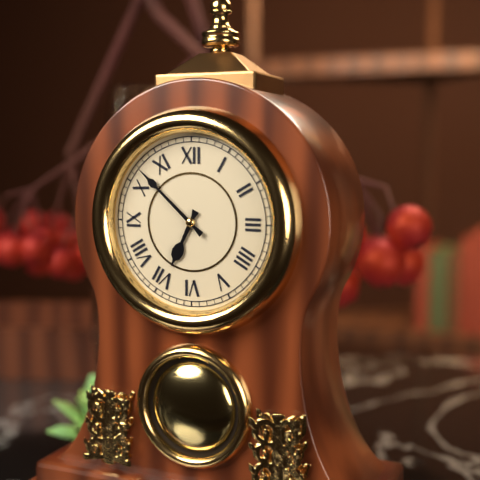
6:52
